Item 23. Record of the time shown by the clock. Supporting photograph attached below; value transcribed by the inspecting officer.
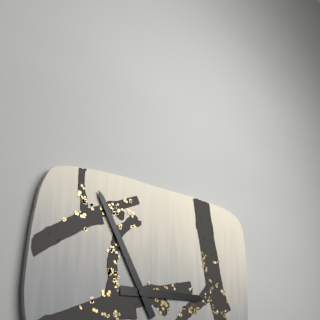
2:55
